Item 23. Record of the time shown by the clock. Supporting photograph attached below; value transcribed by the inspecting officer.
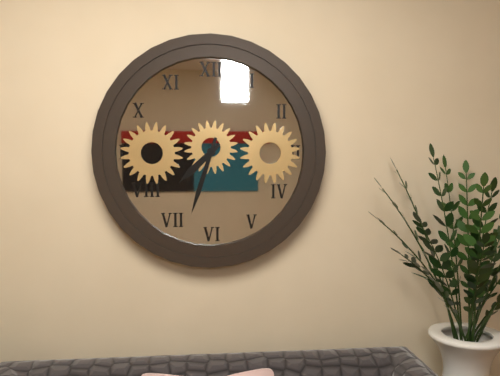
7:33
